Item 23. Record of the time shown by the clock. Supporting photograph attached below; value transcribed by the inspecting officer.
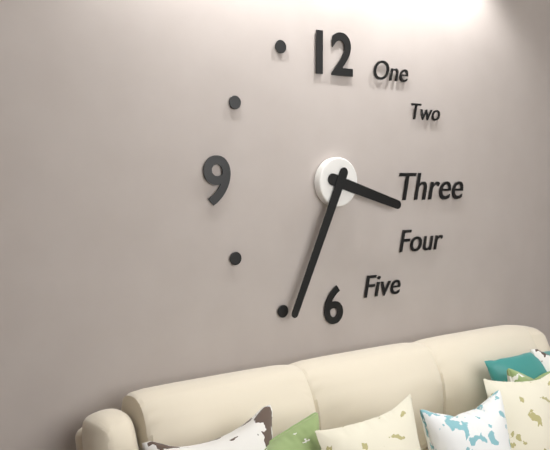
3:34
